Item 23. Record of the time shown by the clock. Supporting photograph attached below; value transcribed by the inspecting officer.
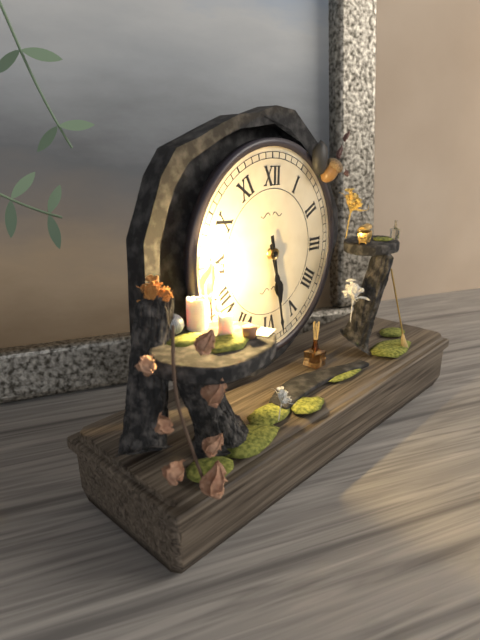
5:28
